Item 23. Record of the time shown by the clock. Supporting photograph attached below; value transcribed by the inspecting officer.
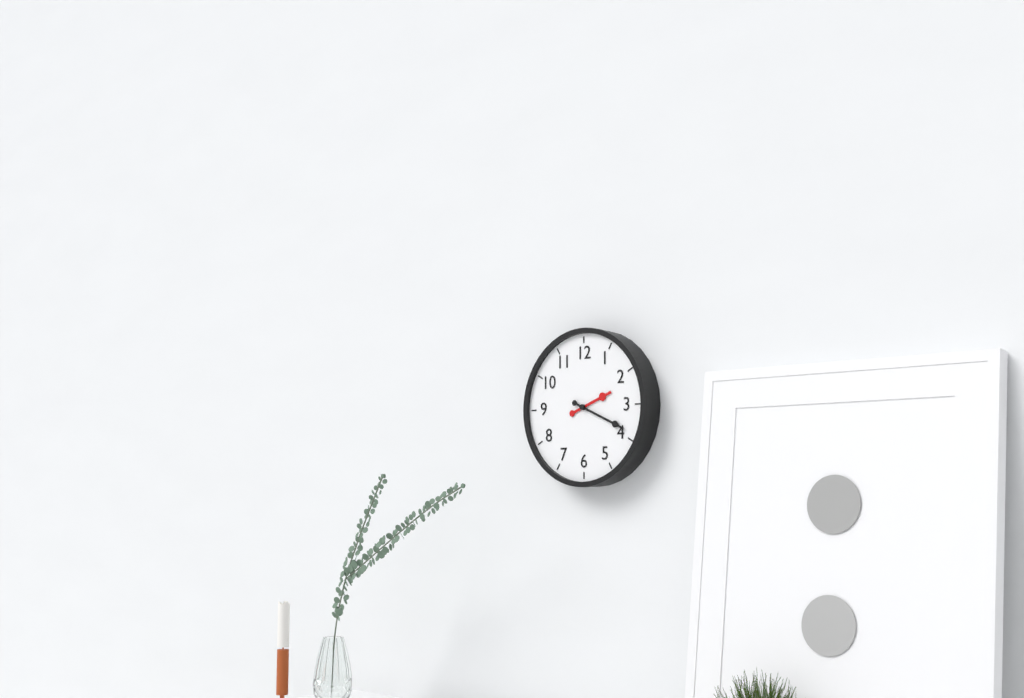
2:19
